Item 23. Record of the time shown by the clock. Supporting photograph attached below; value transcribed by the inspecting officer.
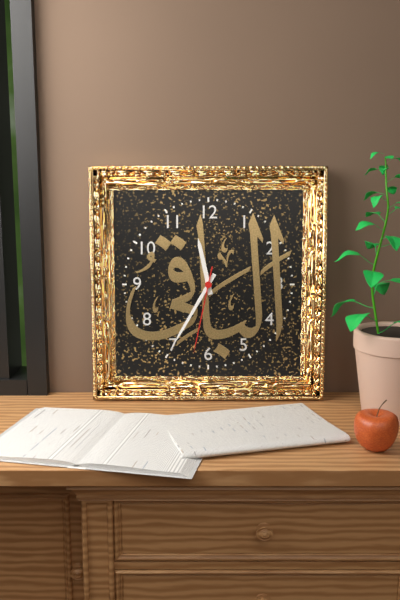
11:35:32
